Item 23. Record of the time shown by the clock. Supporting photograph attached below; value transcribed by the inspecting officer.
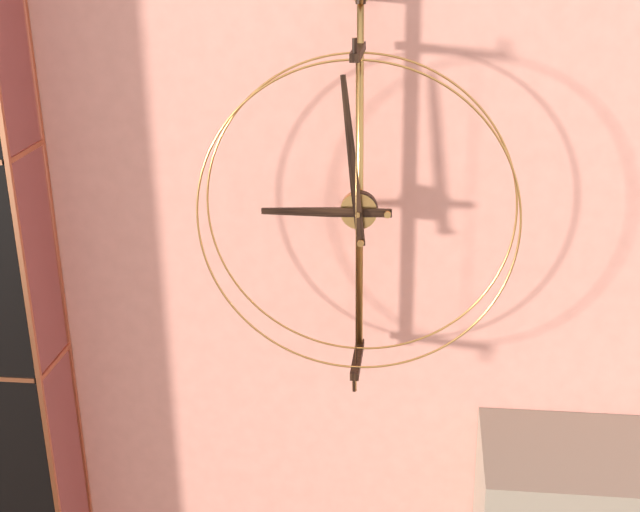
8:59
